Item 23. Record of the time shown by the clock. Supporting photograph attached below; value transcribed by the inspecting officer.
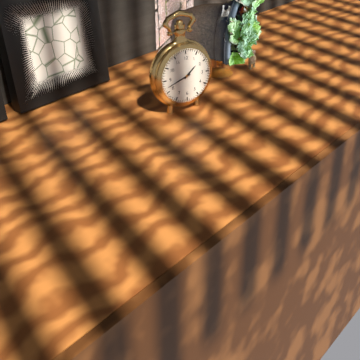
1:42
